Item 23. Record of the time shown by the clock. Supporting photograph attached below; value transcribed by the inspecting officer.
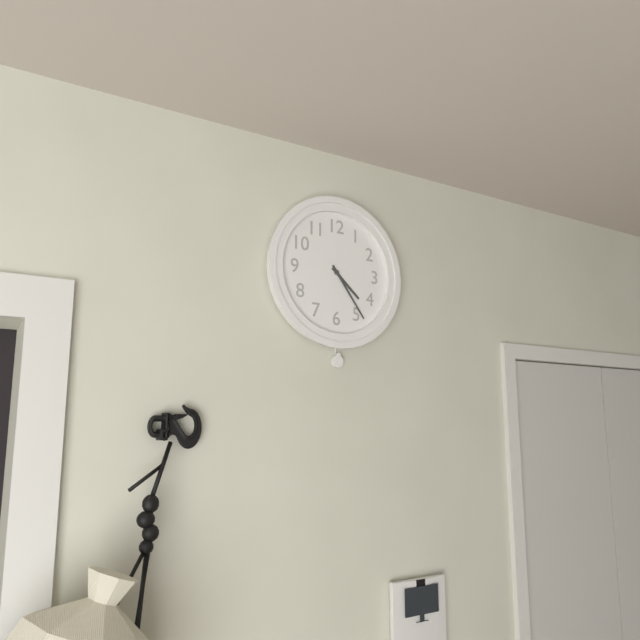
4:24
